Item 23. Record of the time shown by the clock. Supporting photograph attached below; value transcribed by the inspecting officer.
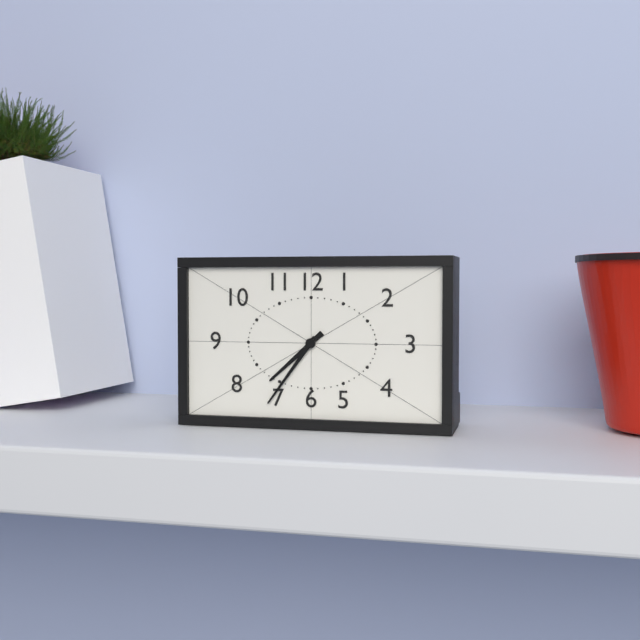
7:36
